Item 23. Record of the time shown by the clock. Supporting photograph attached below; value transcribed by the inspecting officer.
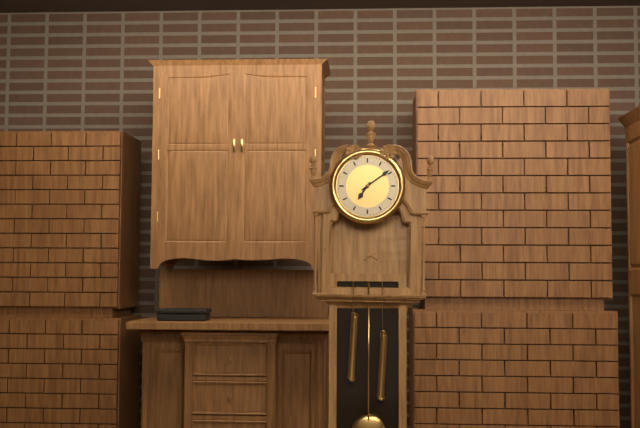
7:09
